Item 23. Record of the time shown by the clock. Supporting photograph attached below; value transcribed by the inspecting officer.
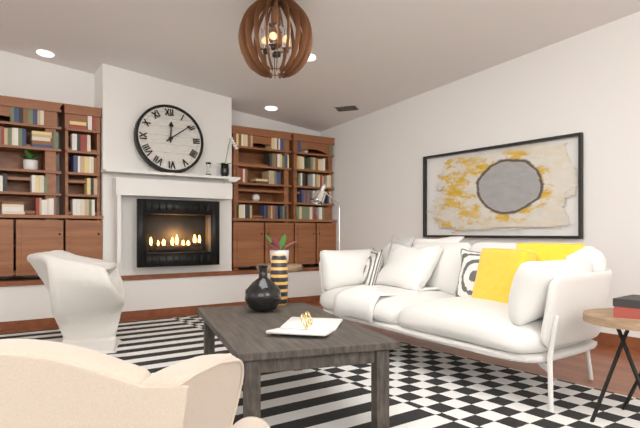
12:09
